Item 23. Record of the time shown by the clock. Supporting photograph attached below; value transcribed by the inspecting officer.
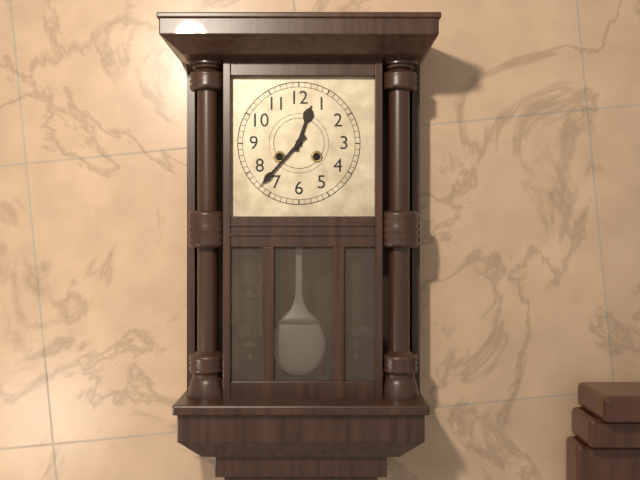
12:37
